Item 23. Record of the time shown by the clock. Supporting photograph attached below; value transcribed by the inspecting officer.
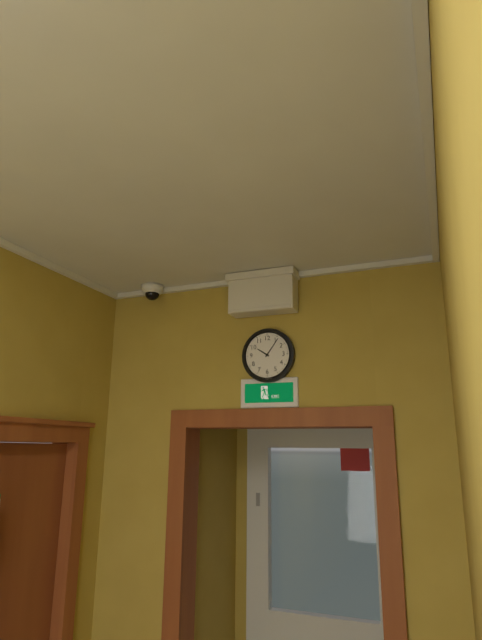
10:06
